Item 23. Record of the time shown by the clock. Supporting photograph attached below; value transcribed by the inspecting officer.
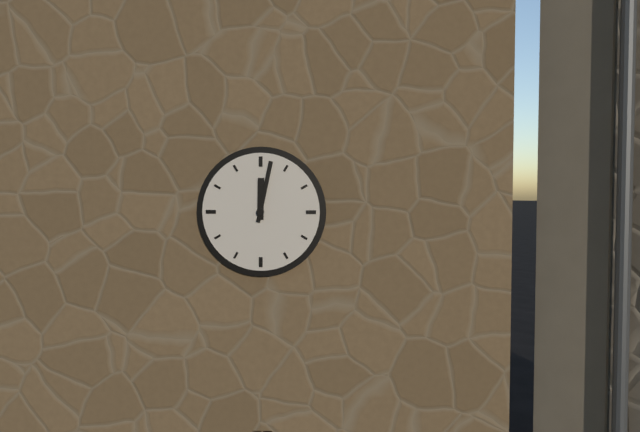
12:02
